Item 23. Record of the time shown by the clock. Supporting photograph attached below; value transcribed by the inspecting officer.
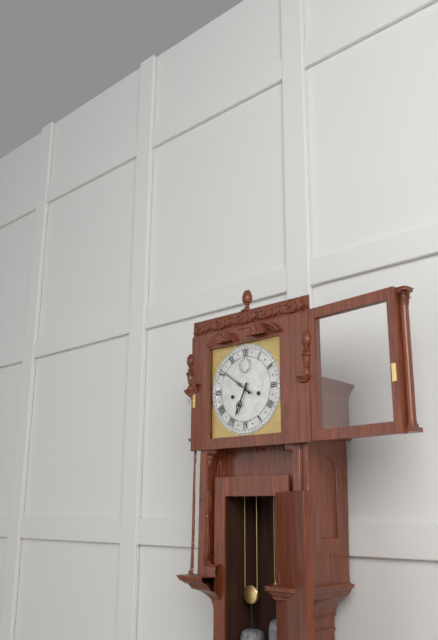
6:51
